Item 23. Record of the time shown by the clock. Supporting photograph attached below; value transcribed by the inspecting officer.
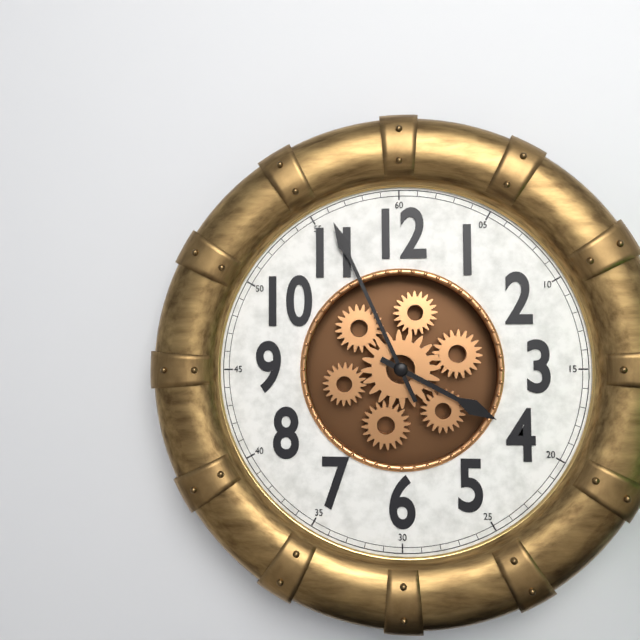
3:56
